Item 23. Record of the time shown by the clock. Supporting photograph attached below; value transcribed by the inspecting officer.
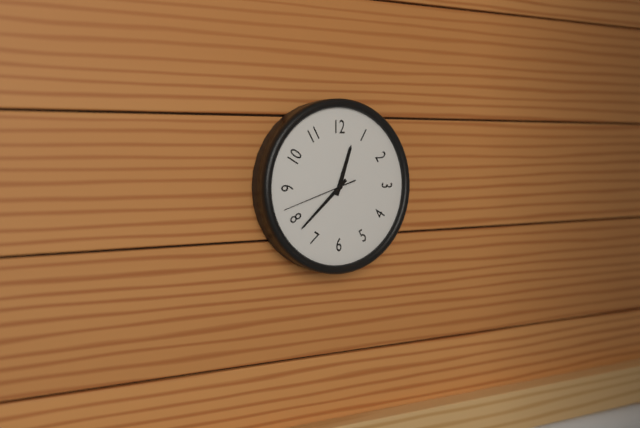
12:38:42
